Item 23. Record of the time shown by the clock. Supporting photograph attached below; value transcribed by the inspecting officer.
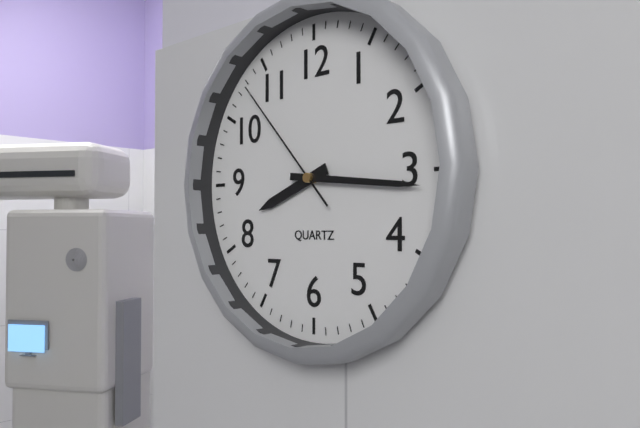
8:16:53
